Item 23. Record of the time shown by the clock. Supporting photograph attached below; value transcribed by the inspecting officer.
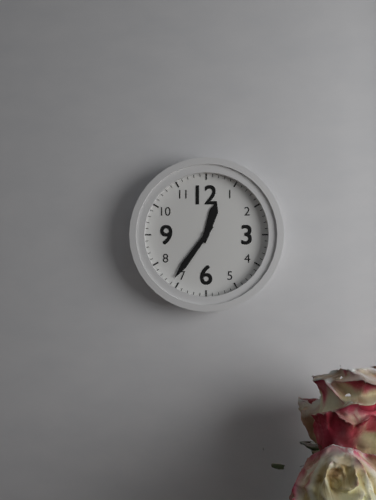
12:36
